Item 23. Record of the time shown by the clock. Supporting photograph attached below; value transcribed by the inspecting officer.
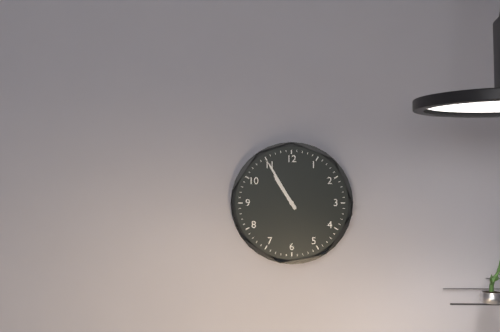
10:55
